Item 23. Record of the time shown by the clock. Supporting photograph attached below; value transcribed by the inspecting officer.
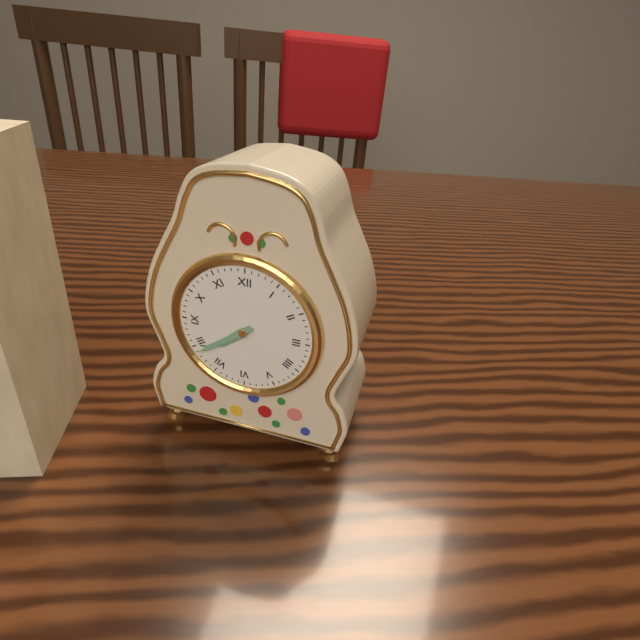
7:39
